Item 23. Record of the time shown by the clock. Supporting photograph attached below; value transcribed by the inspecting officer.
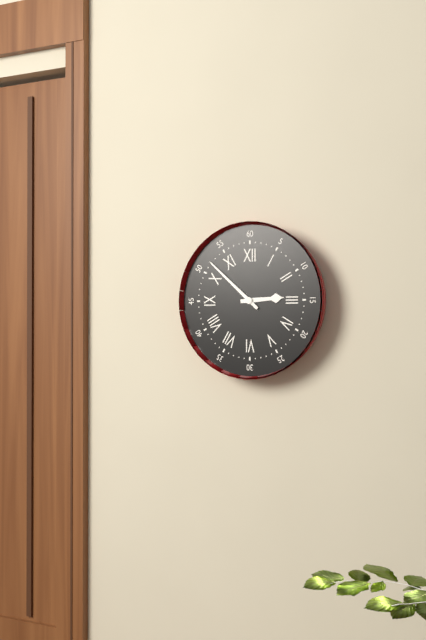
2:52
